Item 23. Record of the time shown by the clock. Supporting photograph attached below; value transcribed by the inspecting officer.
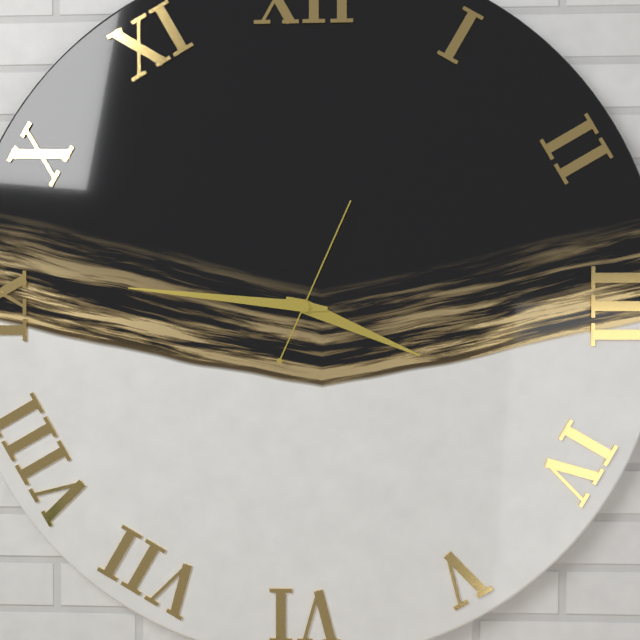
3:46:04
